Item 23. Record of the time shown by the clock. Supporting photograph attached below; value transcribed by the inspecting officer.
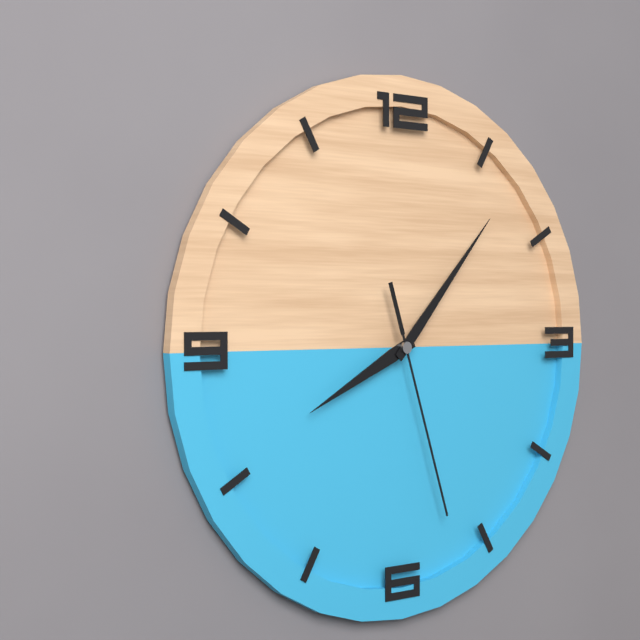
8:07:27
